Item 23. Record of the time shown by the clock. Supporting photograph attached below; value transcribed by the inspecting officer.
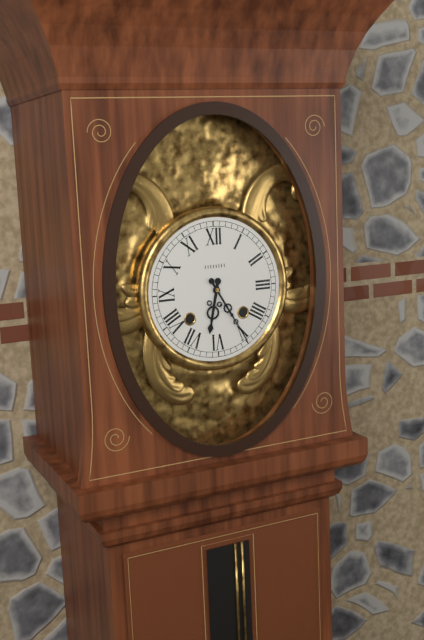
6:25
